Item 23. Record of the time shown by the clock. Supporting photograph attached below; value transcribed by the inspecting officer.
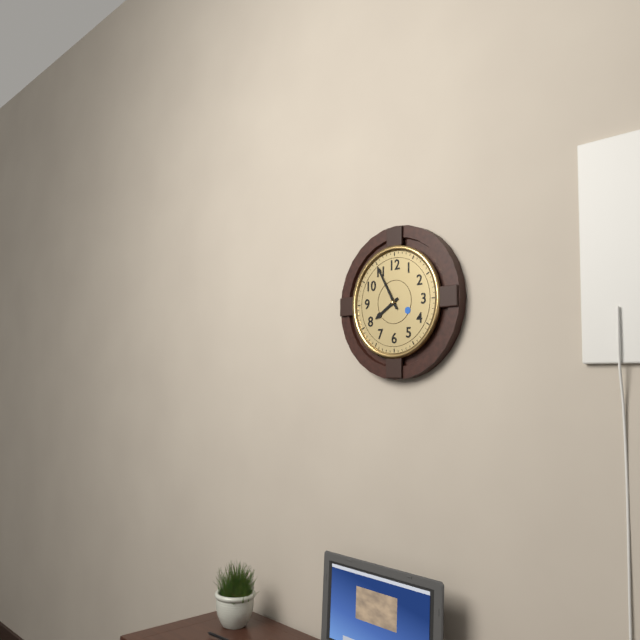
7:55
